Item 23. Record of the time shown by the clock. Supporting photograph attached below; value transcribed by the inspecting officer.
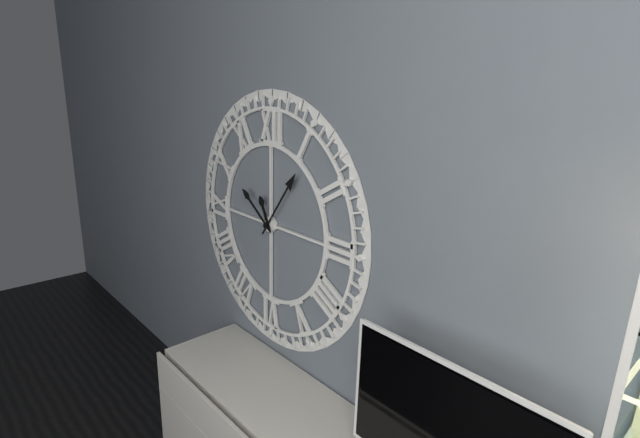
11:06:51
